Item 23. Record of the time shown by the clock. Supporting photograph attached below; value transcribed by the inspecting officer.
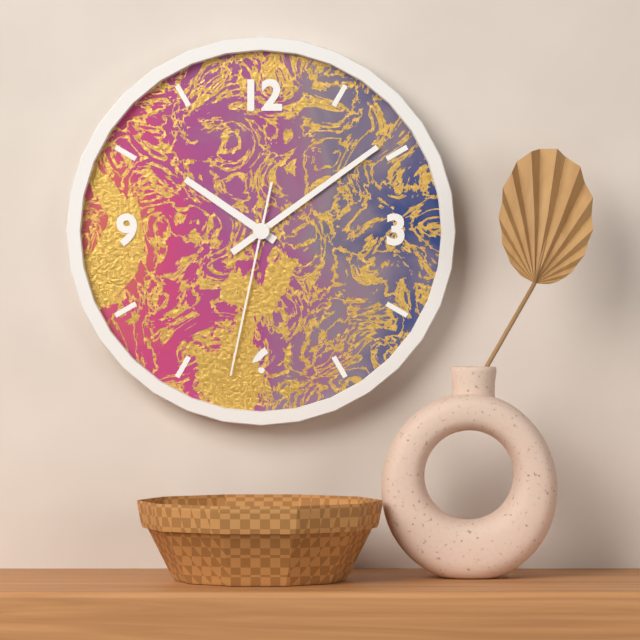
10:09:32
